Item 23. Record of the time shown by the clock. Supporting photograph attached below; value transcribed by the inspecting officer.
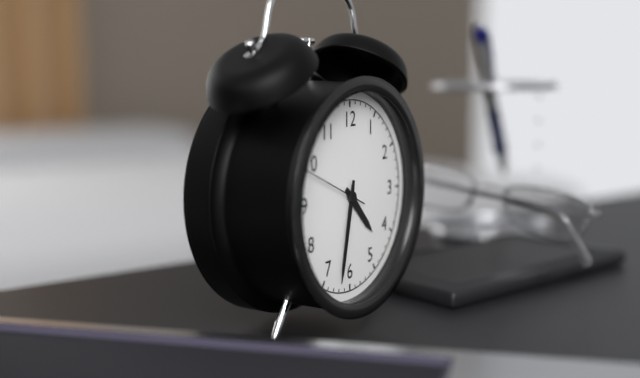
4:32:49
